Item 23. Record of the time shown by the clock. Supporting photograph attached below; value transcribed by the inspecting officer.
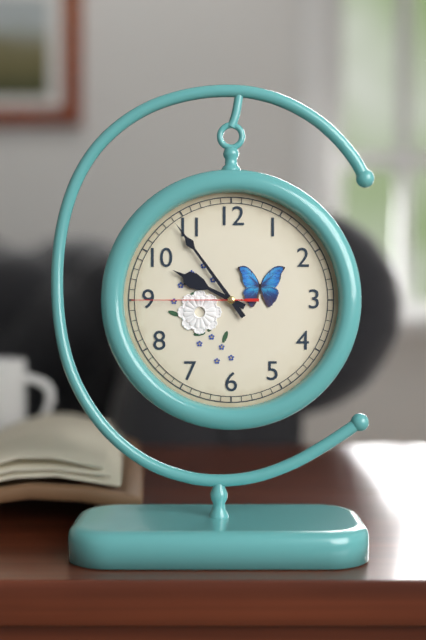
9:54:45
